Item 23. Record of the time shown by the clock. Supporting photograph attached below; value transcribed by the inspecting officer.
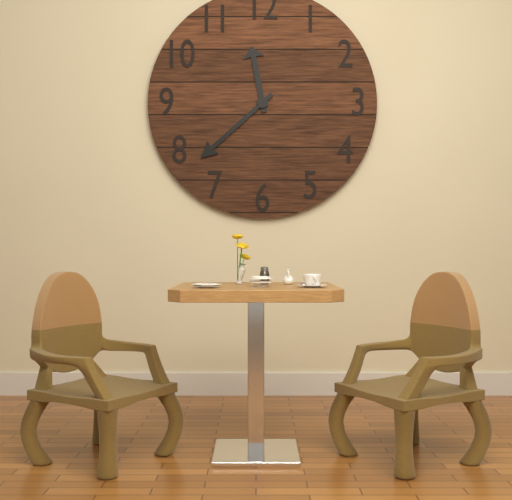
11:38
